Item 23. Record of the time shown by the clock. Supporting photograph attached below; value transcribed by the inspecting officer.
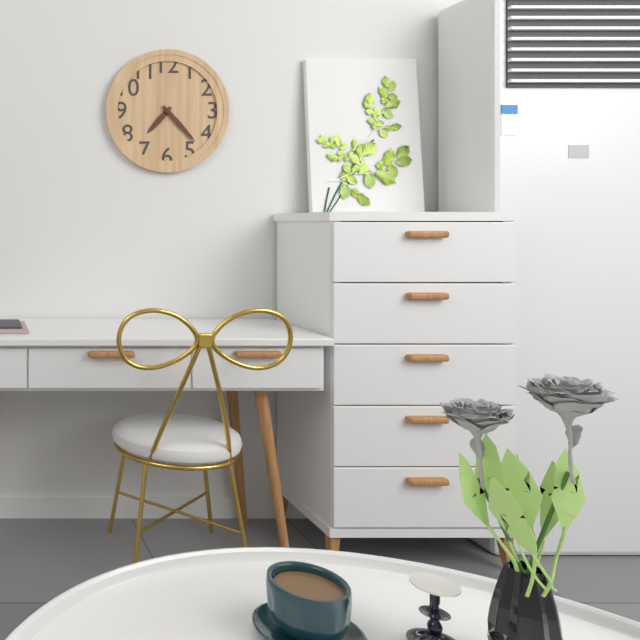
7:23
